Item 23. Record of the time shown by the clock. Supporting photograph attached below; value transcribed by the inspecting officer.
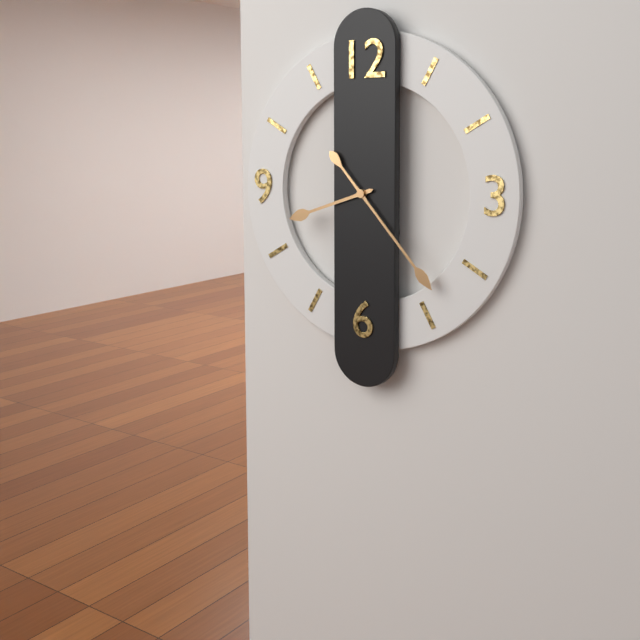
8:23
